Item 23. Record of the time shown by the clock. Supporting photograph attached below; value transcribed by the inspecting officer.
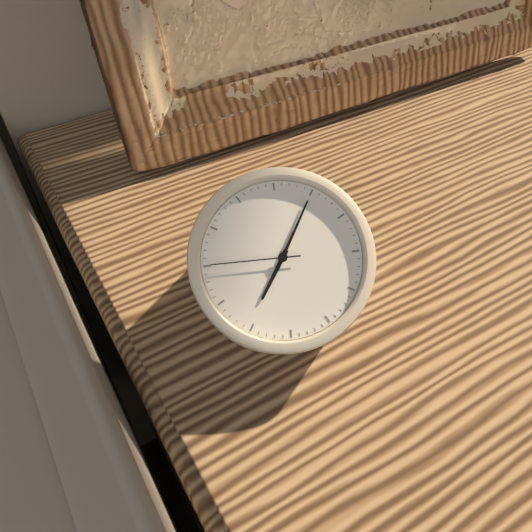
7:05:45
